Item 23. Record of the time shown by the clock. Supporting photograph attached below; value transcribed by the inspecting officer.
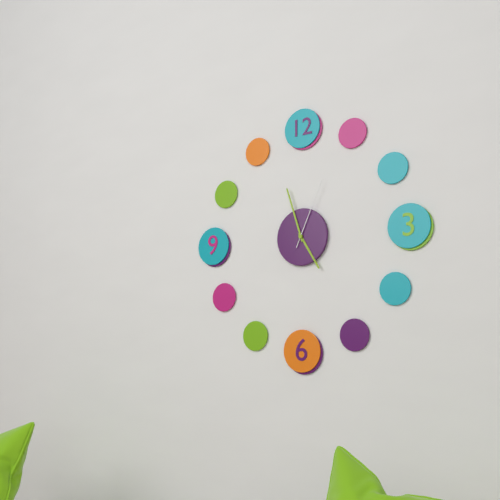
4:57:04
